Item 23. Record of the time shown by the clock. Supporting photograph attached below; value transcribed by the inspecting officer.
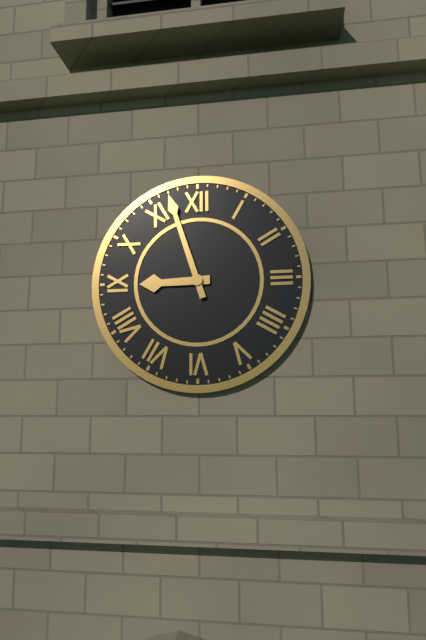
8:57
